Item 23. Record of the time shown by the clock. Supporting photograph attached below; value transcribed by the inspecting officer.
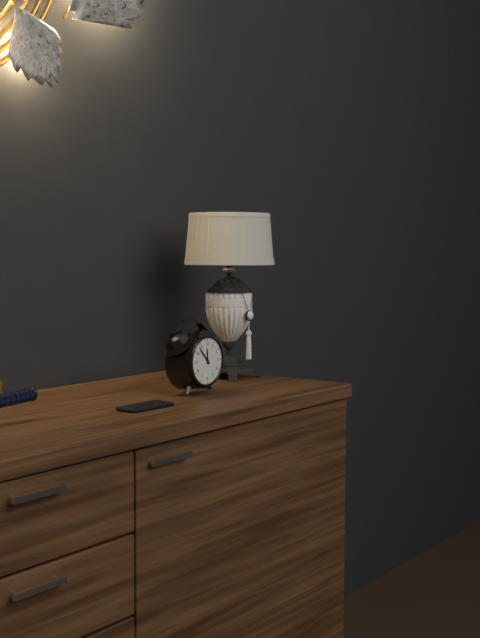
11:53
